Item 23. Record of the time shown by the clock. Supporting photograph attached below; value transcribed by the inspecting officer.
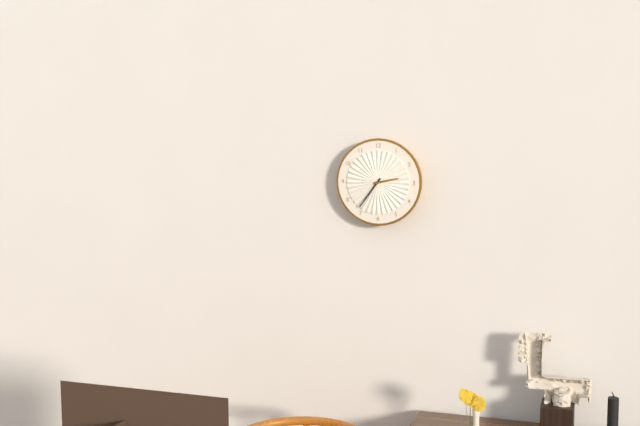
2:36
